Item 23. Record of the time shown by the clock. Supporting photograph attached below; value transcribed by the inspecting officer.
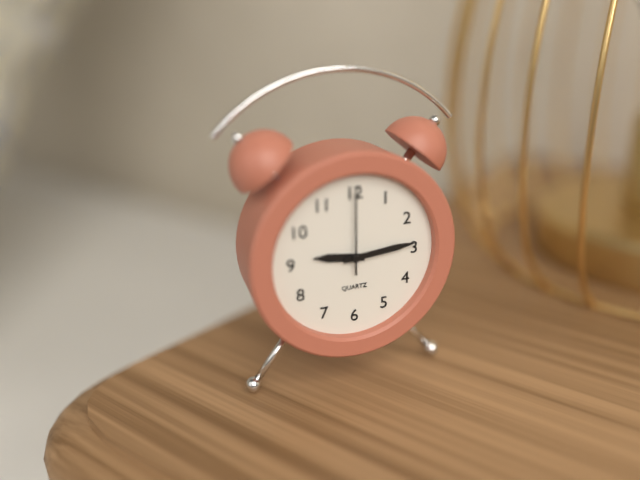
9:14:00
